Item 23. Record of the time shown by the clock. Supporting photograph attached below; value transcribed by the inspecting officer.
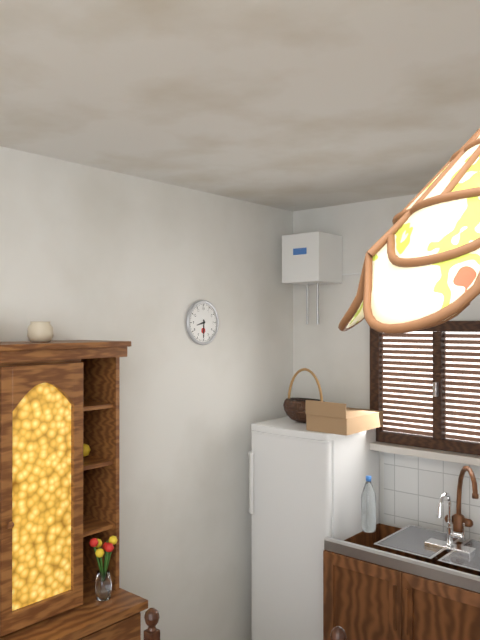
8:30
